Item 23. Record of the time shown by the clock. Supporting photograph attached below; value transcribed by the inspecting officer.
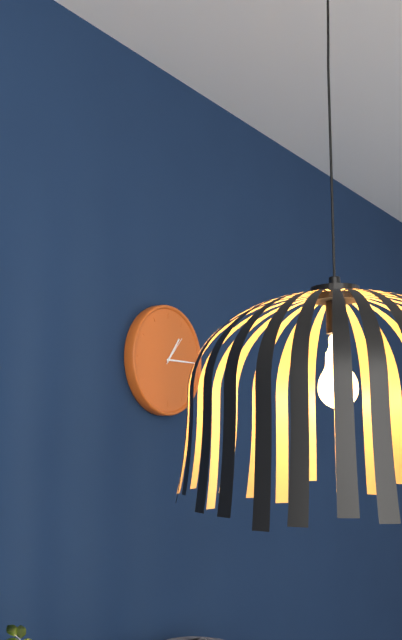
1:15
